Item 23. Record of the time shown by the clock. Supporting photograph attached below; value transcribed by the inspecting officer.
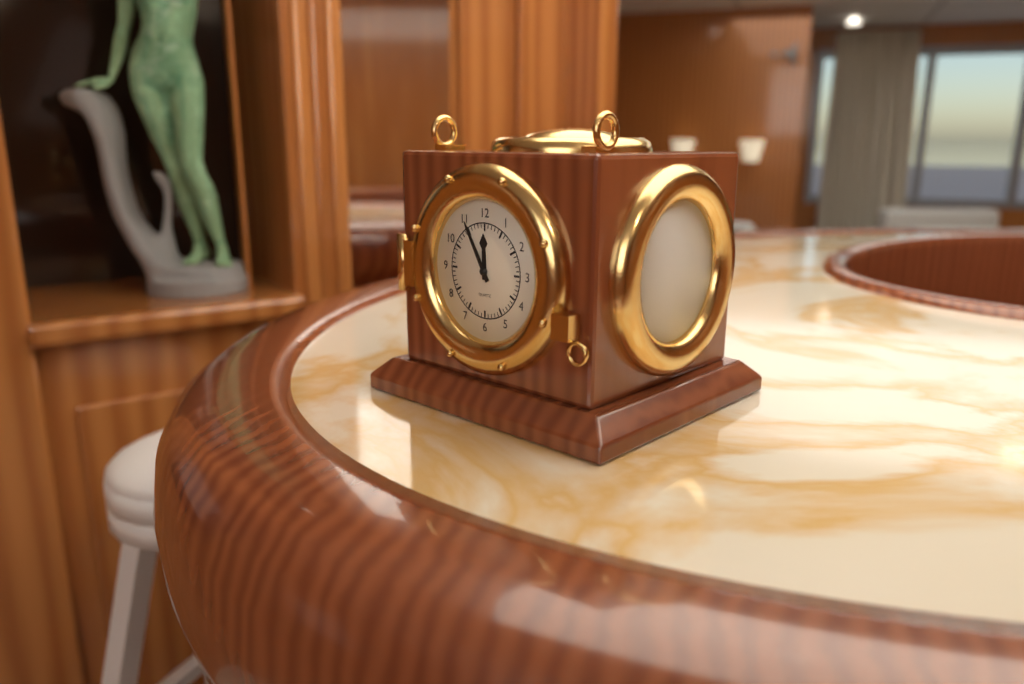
11:55
